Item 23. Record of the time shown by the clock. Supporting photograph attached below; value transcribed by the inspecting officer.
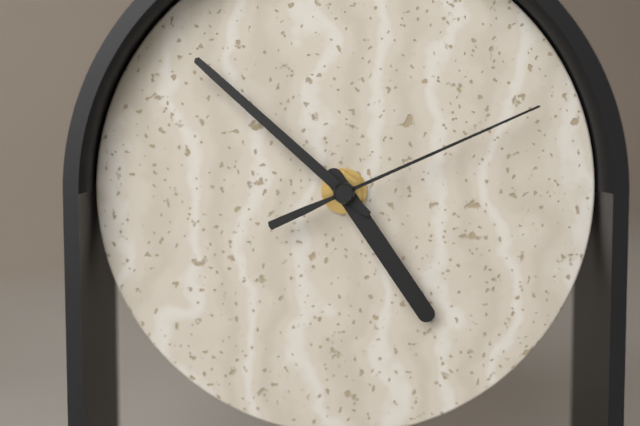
4:52:11
